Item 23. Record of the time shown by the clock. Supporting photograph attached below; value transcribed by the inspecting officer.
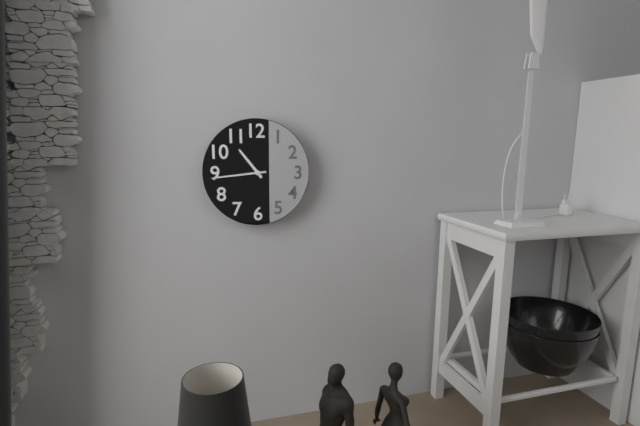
10:44
